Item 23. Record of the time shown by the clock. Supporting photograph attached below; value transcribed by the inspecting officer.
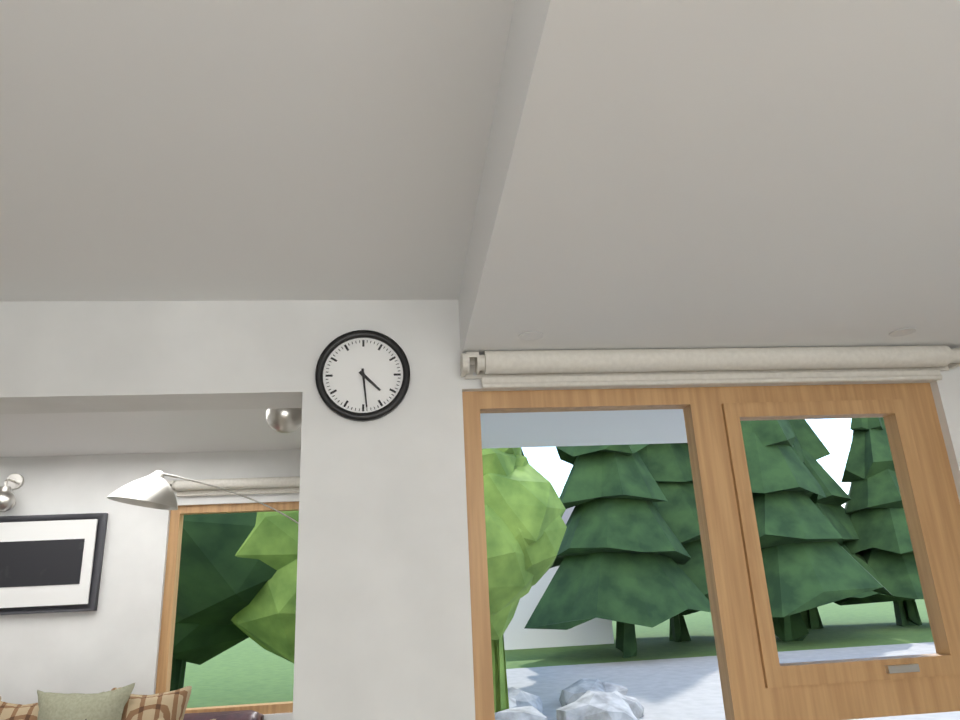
4:29
